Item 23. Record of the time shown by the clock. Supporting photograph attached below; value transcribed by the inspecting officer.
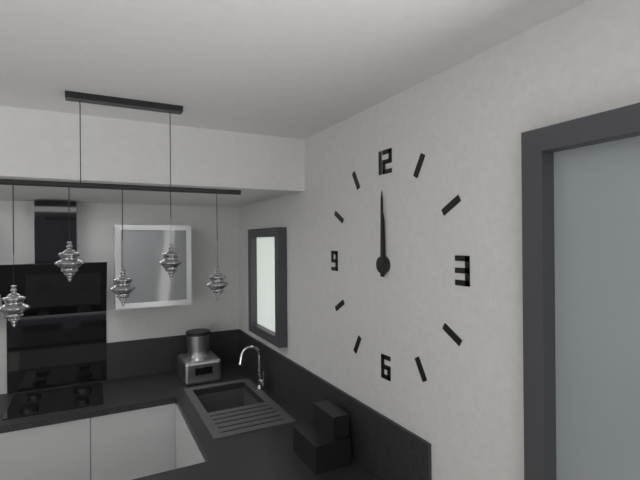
12:00
